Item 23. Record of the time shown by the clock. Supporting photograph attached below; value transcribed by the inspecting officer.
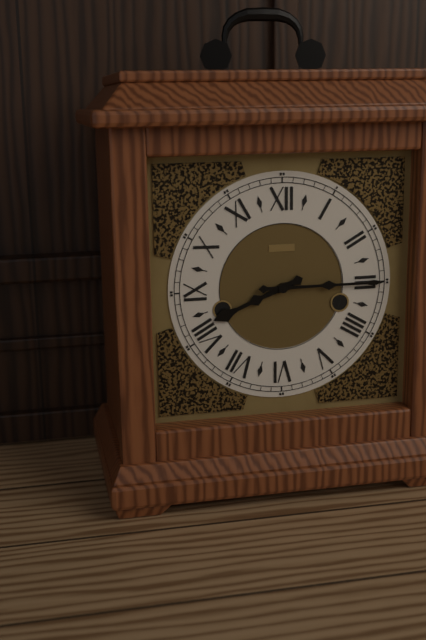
8:15
